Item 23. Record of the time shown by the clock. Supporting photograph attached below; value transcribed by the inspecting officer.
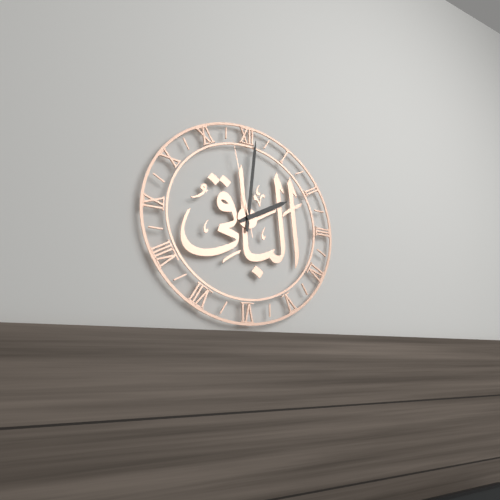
2:01:58
